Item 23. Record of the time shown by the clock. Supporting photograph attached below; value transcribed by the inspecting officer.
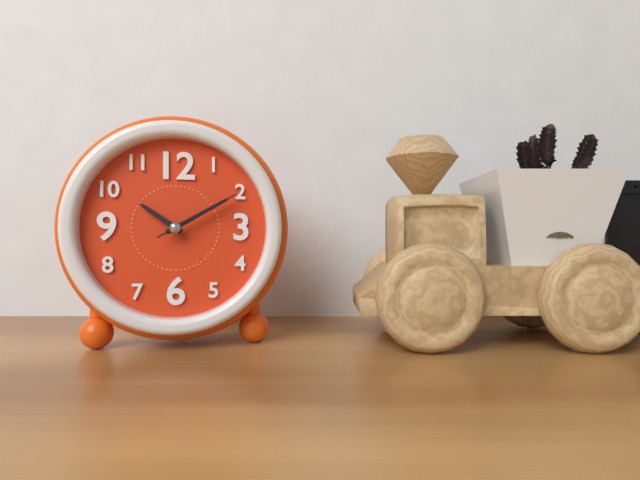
10:10:10
